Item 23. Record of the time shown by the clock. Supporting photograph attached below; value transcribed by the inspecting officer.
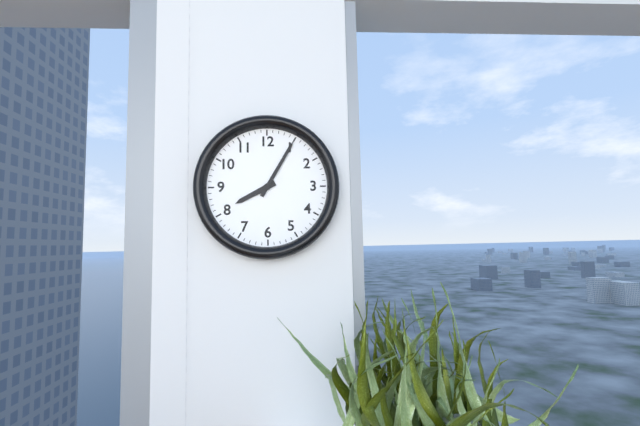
8:05
